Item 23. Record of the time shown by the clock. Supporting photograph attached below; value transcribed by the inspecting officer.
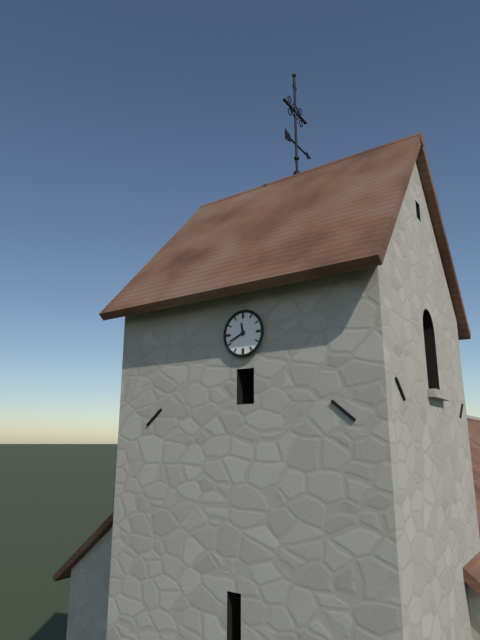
11:41
